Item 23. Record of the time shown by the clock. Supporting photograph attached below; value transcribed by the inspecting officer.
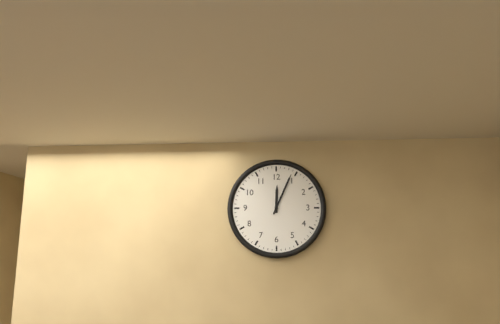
12:04
